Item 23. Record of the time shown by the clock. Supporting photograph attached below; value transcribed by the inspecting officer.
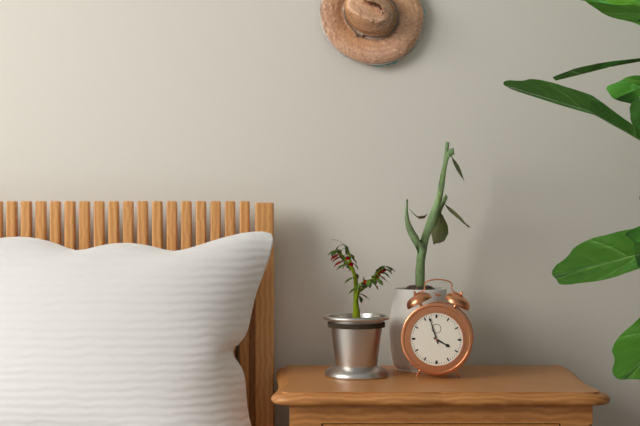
3:57
